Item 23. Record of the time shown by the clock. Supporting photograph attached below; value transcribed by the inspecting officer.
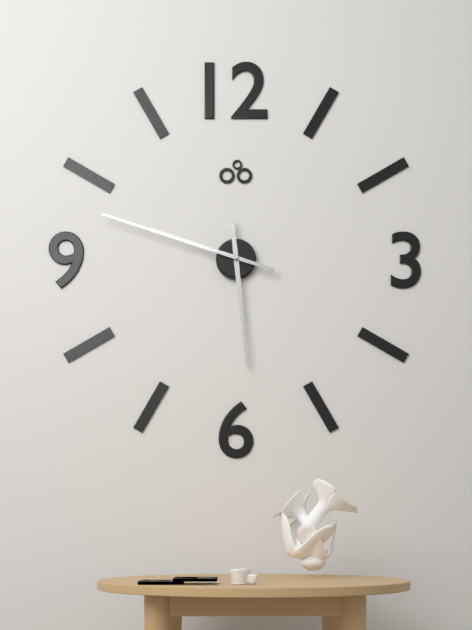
5:48
